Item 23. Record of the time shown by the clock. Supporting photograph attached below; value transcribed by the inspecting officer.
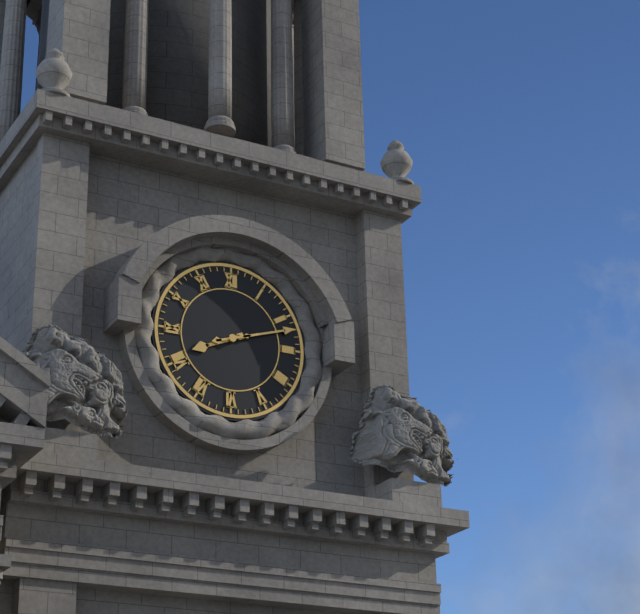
8:12
